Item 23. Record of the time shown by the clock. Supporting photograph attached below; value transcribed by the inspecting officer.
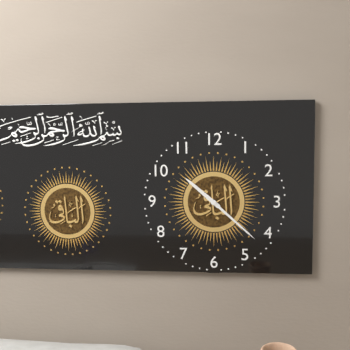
10:22
